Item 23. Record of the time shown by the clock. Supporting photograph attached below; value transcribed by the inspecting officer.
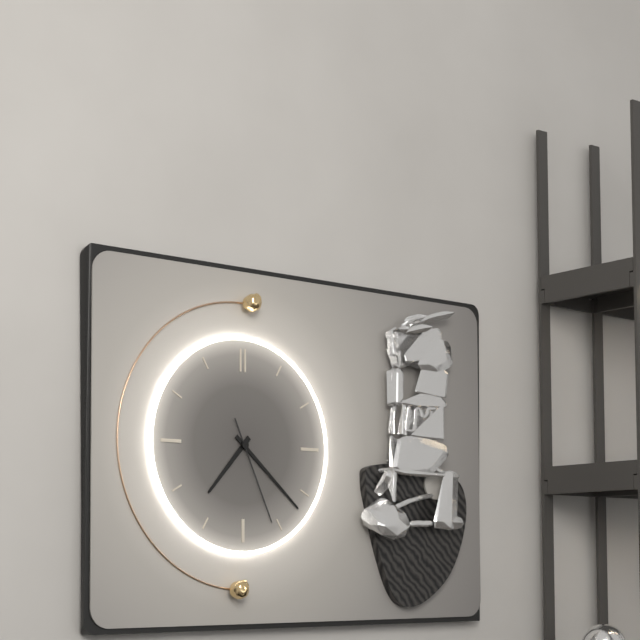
7:22:26
